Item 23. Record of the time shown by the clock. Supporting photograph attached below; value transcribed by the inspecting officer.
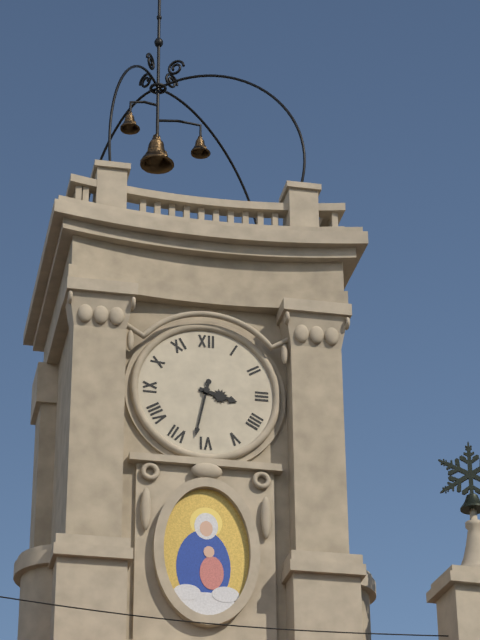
3:32
